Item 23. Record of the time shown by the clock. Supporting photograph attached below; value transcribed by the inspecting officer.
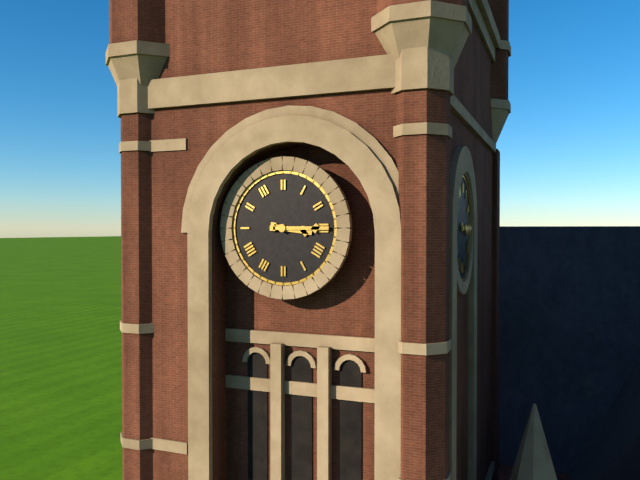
3:15
